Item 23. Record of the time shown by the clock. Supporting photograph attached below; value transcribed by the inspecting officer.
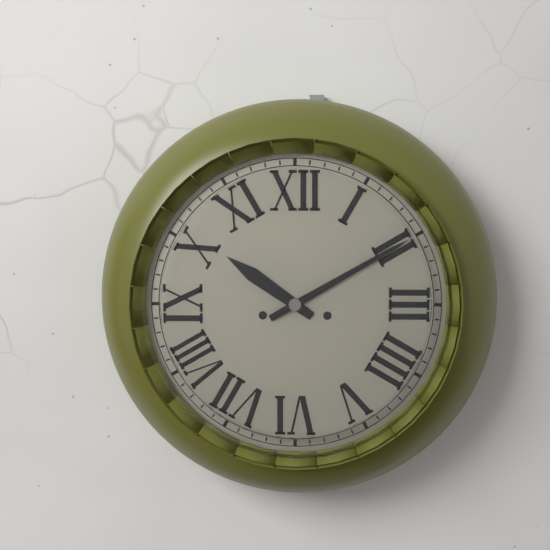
10:10
